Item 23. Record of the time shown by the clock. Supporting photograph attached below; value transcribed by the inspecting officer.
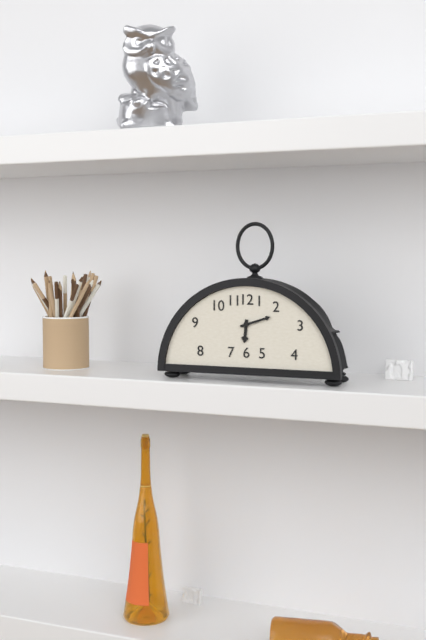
6:12
